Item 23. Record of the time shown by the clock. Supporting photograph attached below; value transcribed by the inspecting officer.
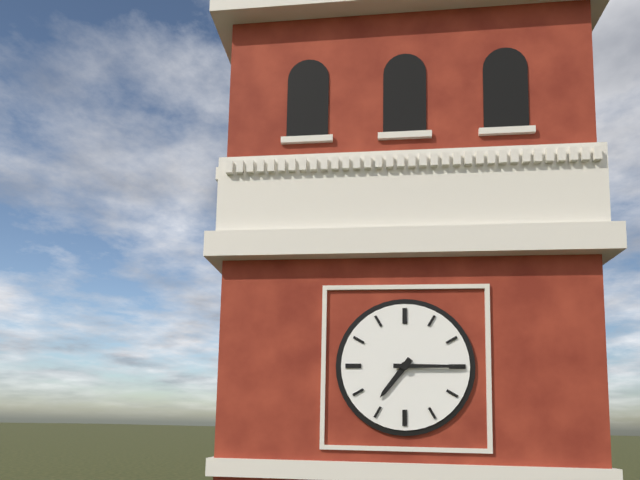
7:15
